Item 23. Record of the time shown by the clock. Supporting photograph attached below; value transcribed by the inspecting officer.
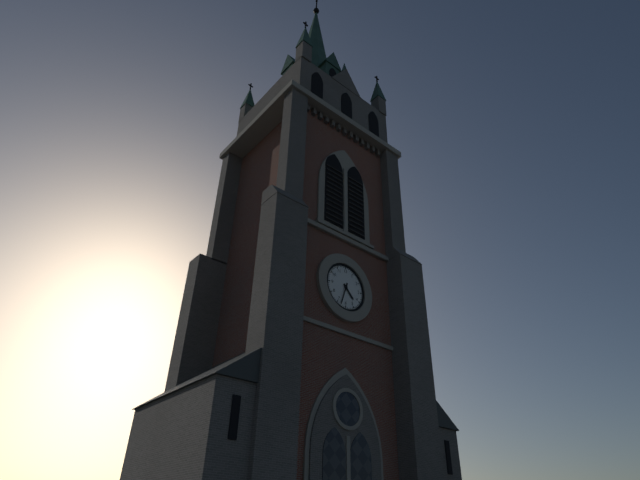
4:33
